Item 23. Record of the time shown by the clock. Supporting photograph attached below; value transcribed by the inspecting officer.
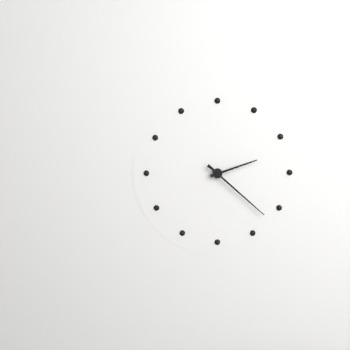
2:22
